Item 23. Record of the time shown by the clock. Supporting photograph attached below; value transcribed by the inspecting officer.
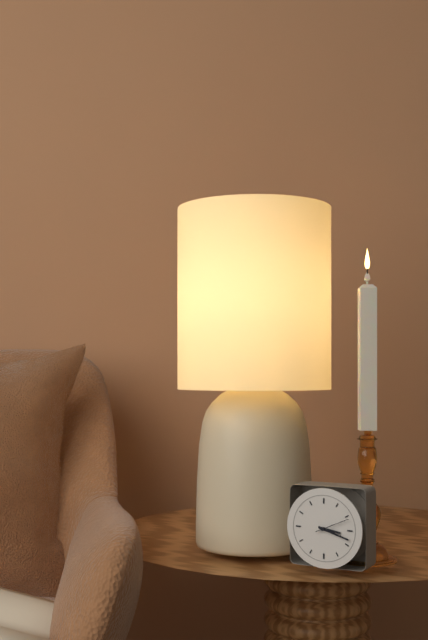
3:18
